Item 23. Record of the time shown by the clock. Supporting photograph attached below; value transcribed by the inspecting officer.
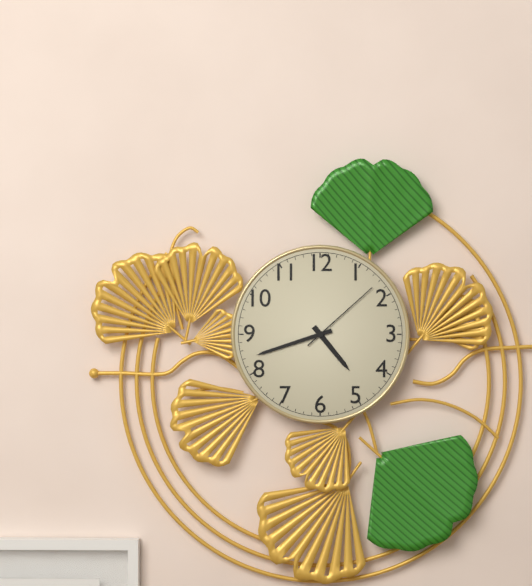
4:42:08
